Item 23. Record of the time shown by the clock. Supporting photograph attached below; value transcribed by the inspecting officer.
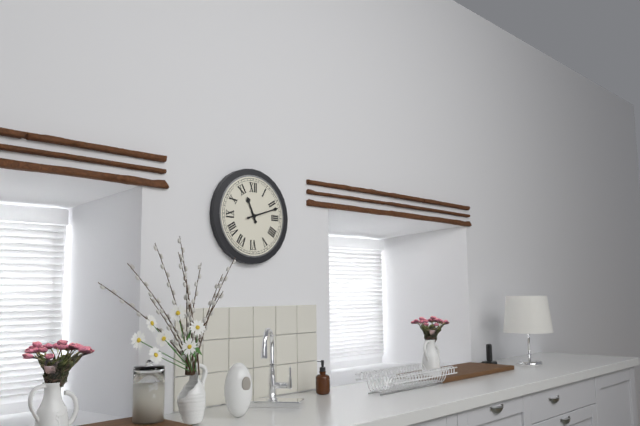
11:12
